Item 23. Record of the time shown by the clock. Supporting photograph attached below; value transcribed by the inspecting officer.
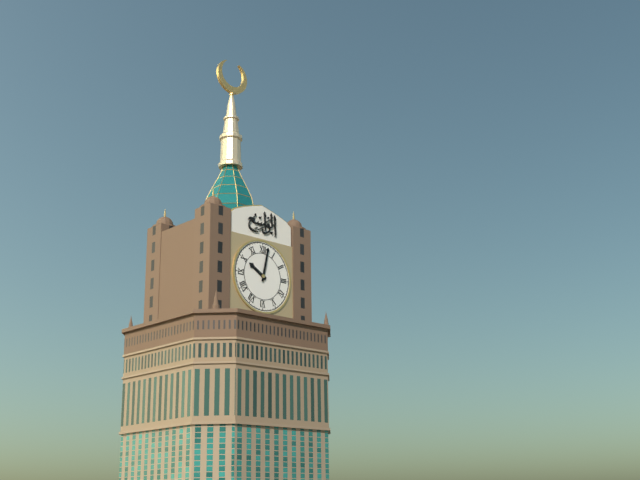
10:02
